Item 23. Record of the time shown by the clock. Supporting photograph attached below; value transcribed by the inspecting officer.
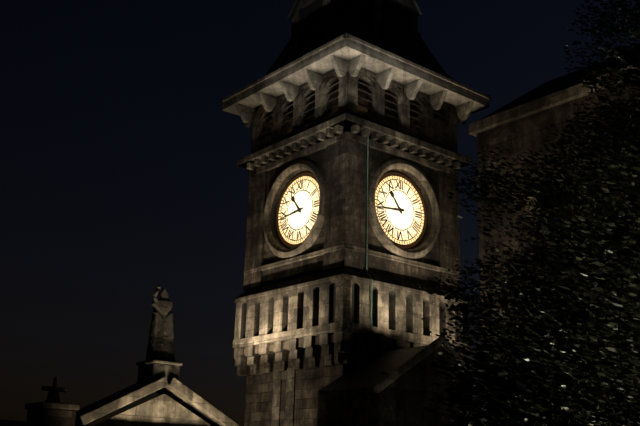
10:44
